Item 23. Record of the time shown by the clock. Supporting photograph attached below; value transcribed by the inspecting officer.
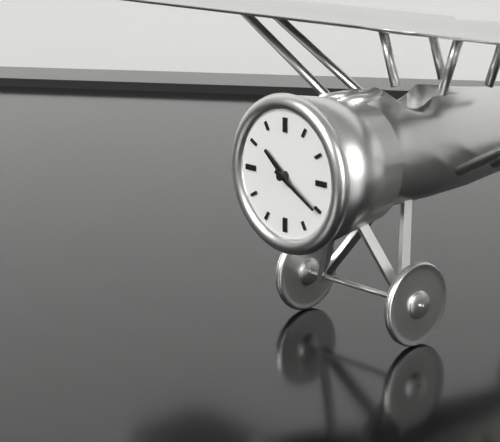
10:20
